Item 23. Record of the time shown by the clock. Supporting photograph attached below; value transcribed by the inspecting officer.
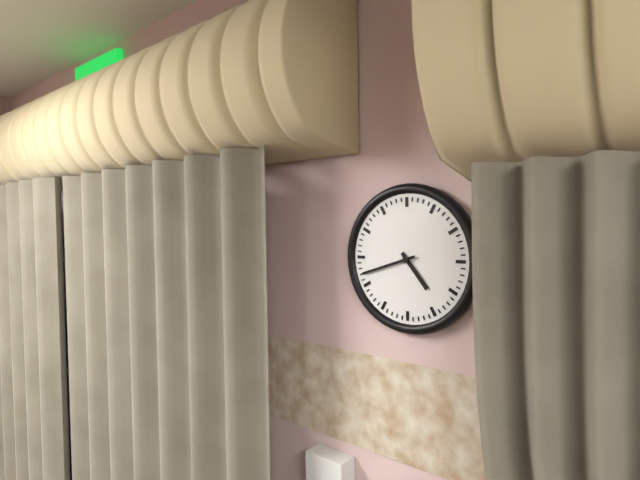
4:42
